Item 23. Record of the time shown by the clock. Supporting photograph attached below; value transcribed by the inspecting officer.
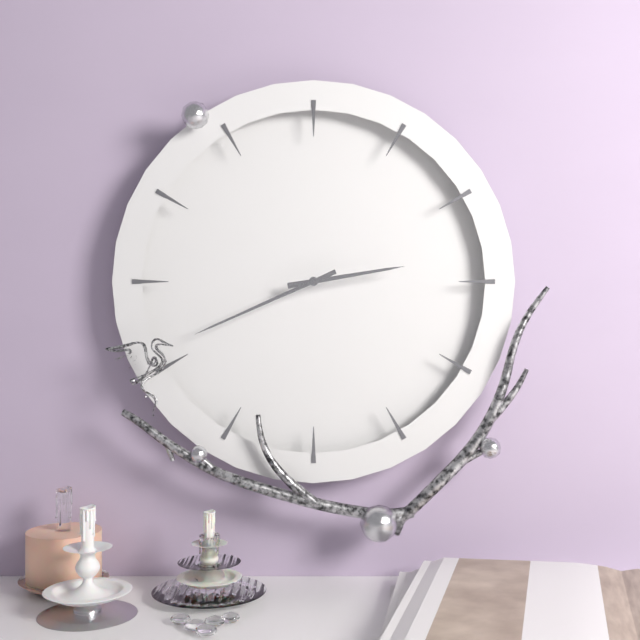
2:41
